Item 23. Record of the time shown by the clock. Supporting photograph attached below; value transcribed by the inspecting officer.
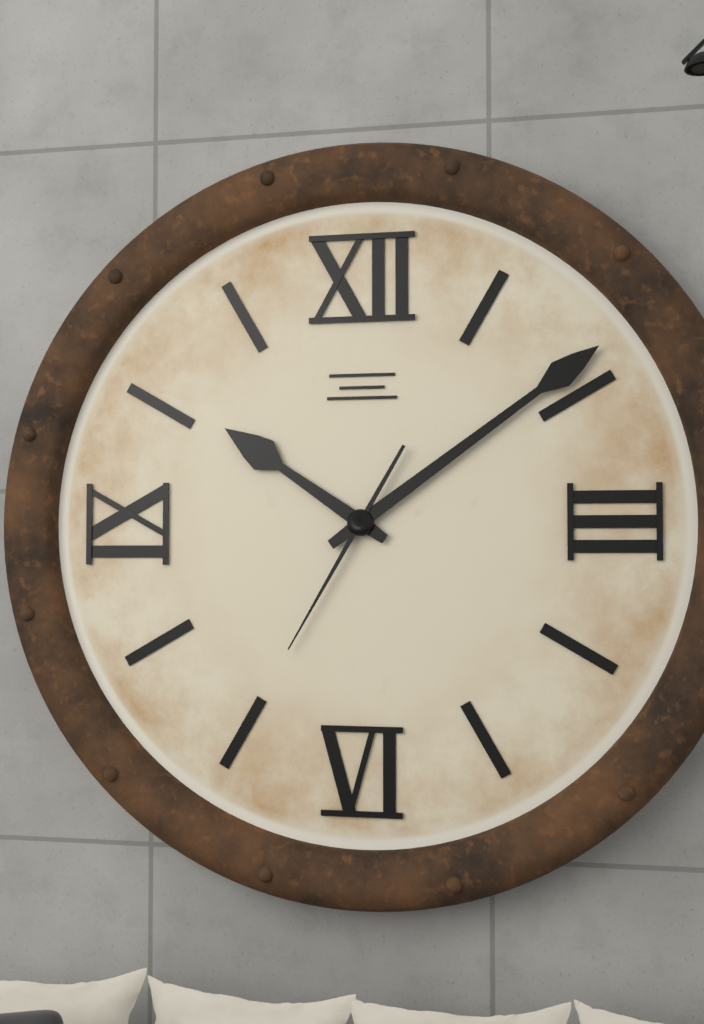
10:09:35
